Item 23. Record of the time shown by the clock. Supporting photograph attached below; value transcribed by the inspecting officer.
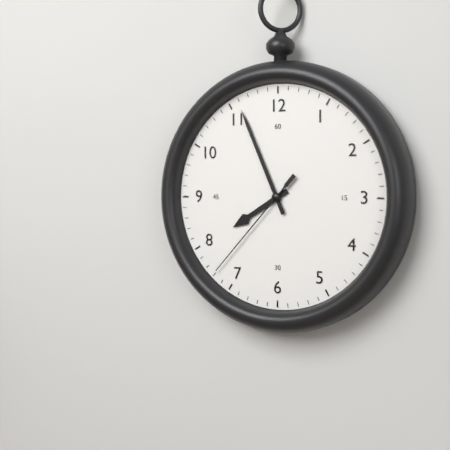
7:56:37
